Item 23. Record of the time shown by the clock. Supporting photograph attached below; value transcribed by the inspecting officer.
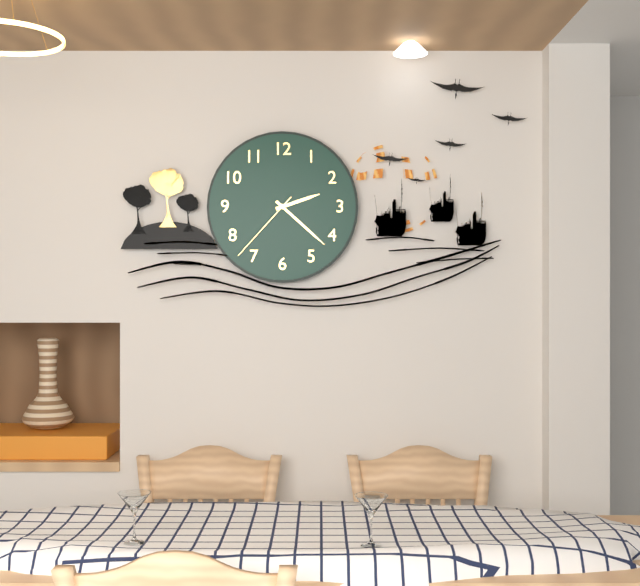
2:22:37
